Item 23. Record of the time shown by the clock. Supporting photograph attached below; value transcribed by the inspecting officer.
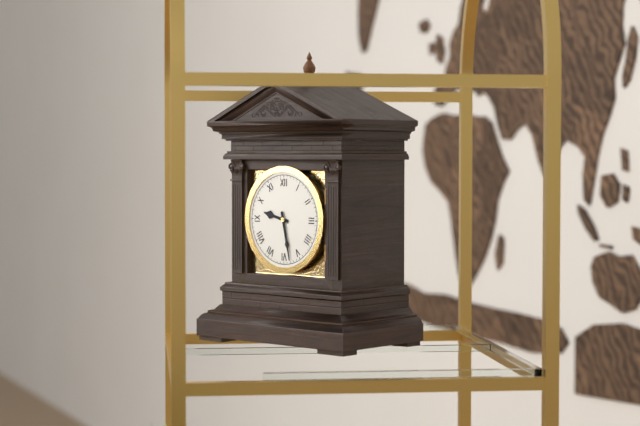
9:28
